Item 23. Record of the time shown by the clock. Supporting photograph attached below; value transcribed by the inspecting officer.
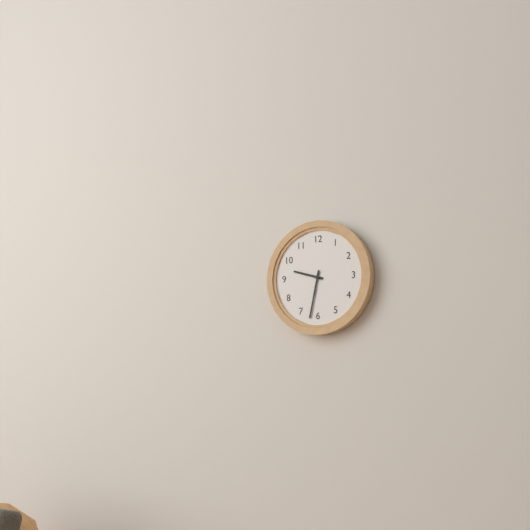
9:32
